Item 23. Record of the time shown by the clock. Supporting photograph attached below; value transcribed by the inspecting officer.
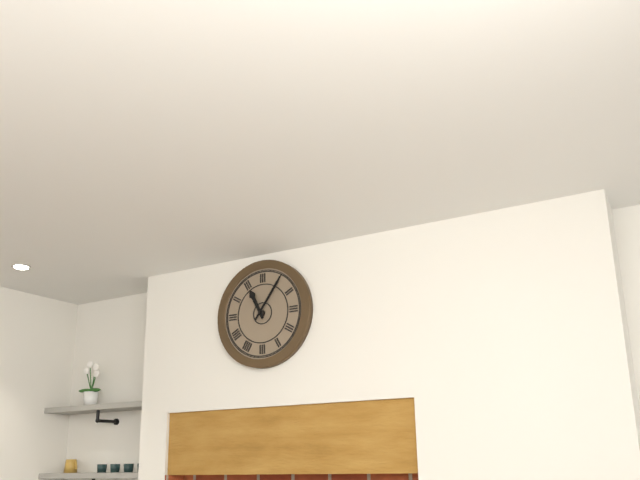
11:06
